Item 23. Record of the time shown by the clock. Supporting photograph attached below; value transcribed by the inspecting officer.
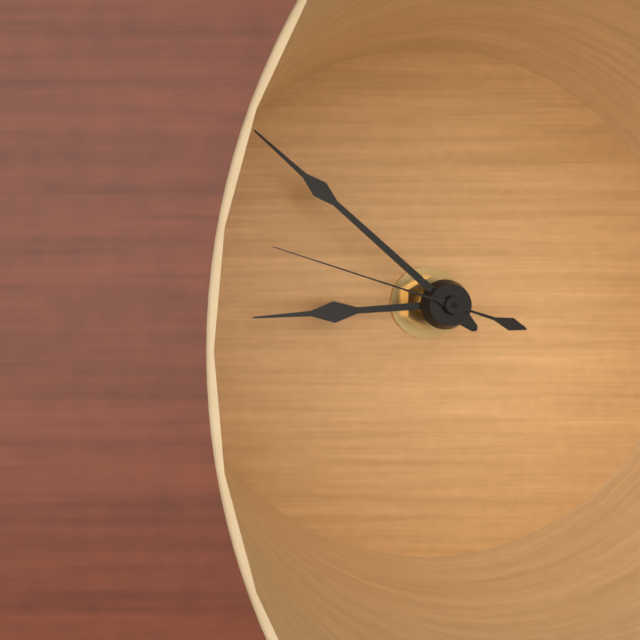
8:52:48
